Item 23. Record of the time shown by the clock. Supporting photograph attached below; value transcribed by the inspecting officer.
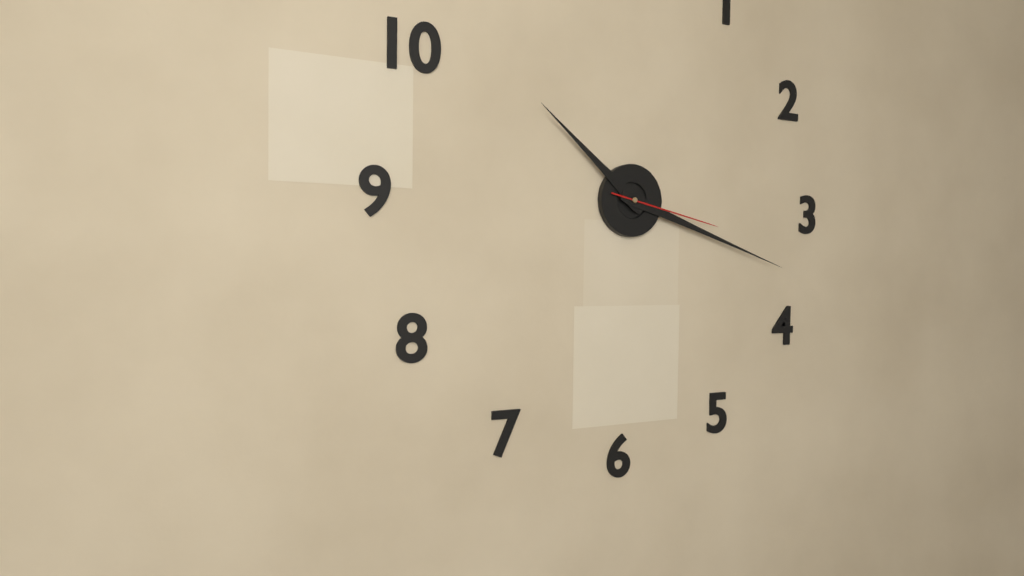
10:18:17
